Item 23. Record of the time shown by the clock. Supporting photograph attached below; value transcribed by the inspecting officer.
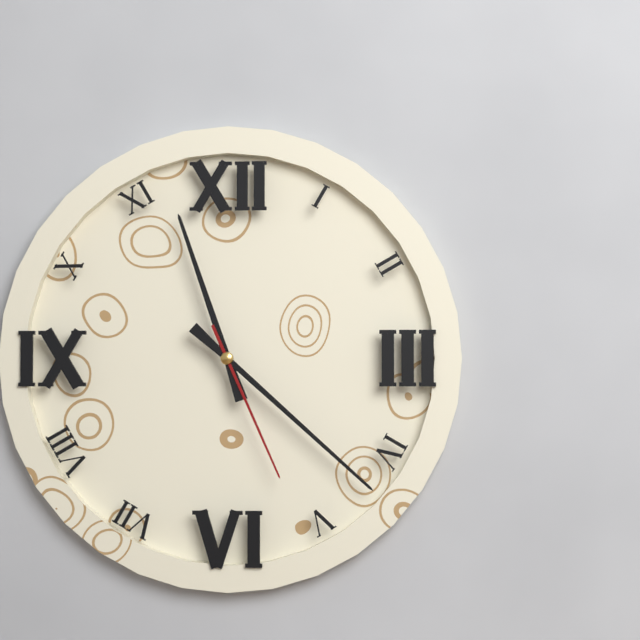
11:22:26
